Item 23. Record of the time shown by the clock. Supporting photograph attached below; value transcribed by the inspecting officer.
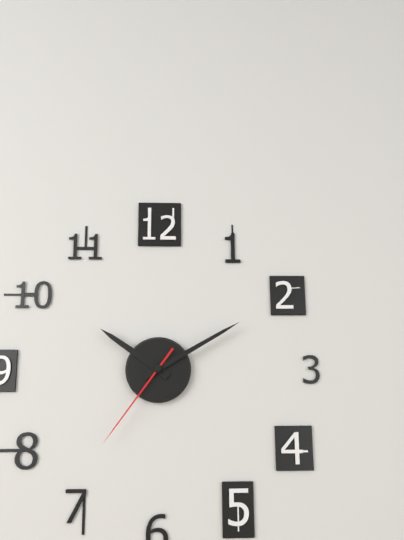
10:10:36
